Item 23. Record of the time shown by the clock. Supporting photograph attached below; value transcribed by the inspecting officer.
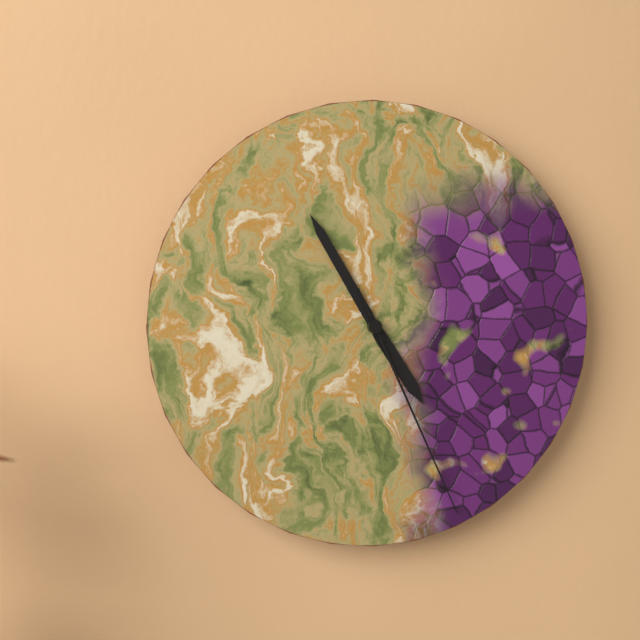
4:55:26
